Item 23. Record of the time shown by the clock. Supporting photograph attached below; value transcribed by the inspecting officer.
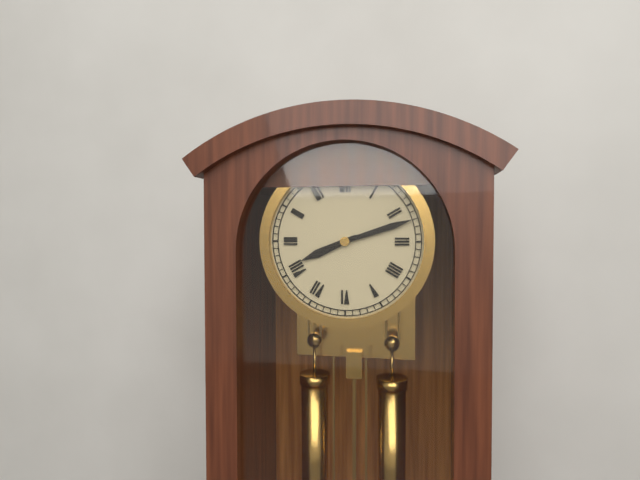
8:12
